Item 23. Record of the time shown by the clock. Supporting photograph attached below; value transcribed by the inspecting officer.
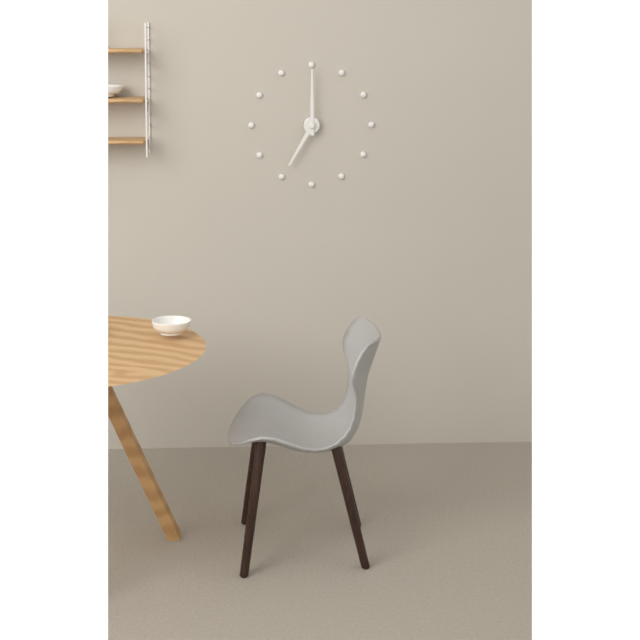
7:00
